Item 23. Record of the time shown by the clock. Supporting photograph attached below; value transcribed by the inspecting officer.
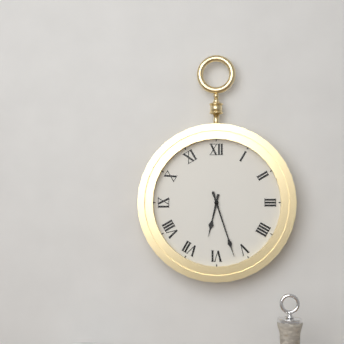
6:27
